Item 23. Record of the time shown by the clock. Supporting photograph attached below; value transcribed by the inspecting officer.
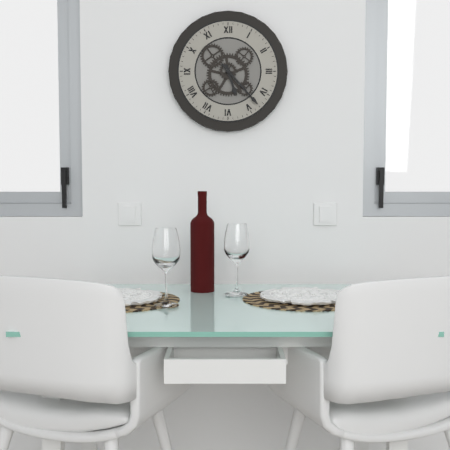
5:23
